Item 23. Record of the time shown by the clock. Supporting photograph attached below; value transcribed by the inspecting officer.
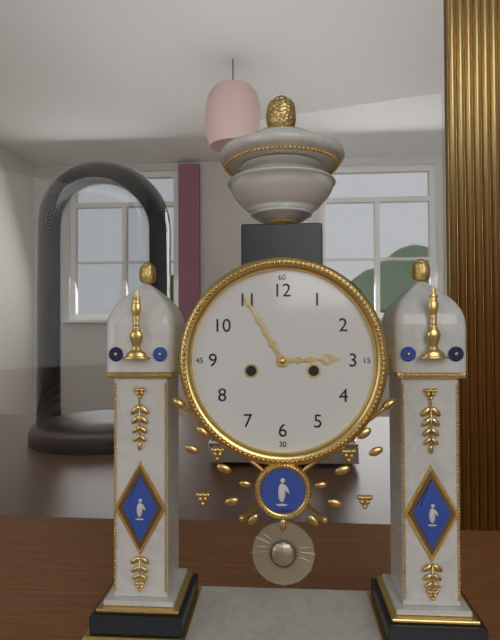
2:55
